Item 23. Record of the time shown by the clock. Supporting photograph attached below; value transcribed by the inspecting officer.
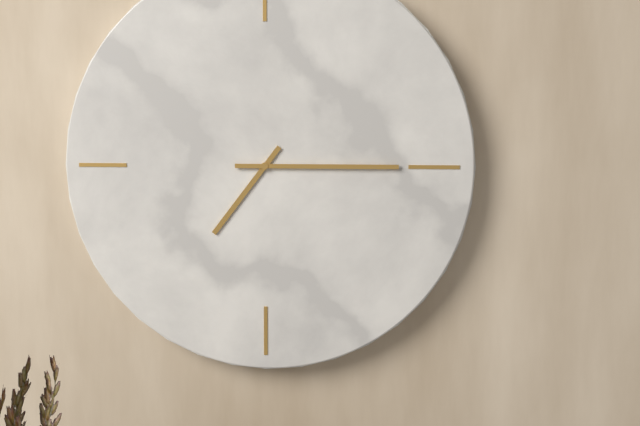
7:15
